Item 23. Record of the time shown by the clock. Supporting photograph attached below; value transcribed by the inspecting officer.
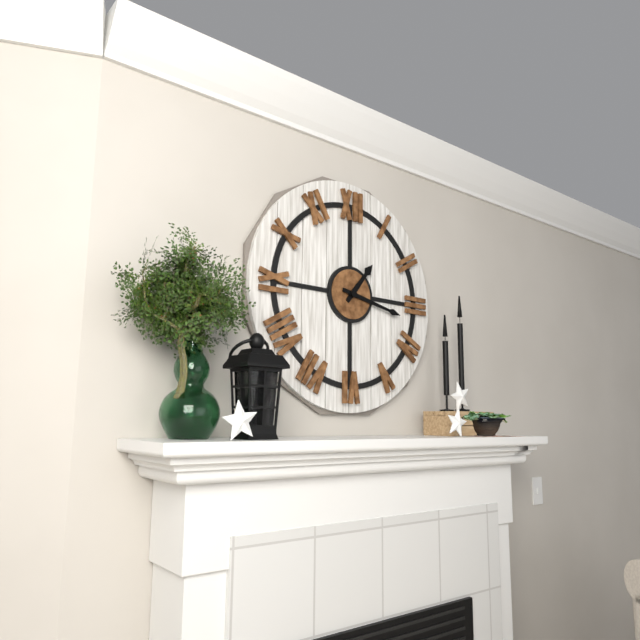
1:17
